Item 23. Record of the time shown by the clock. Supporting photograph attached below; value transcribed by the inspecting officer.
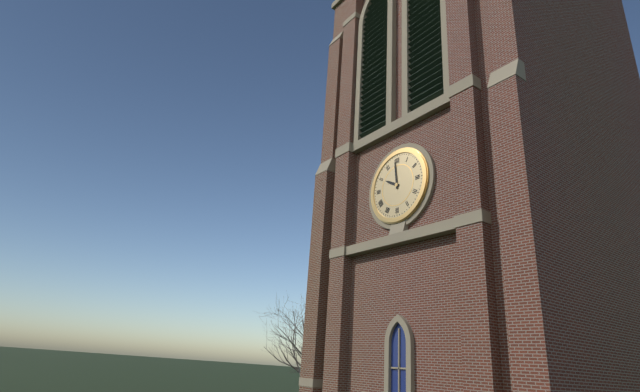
9:59
